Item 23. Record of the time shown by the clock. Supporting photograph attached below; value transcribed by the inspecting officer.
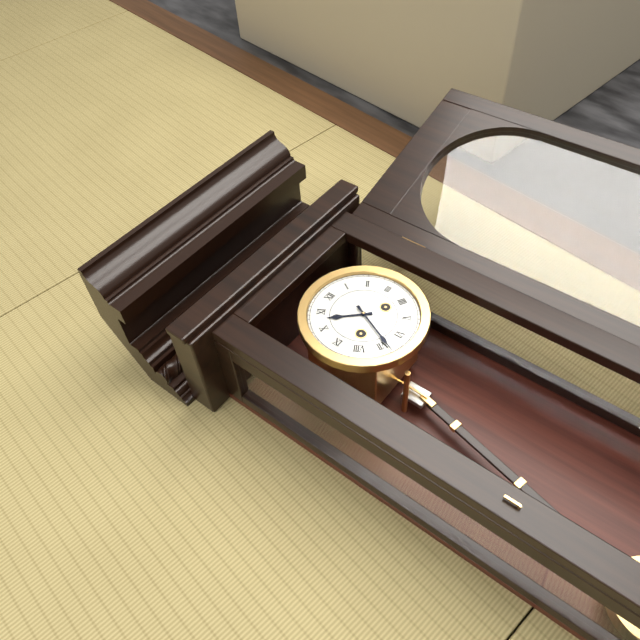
10:34
